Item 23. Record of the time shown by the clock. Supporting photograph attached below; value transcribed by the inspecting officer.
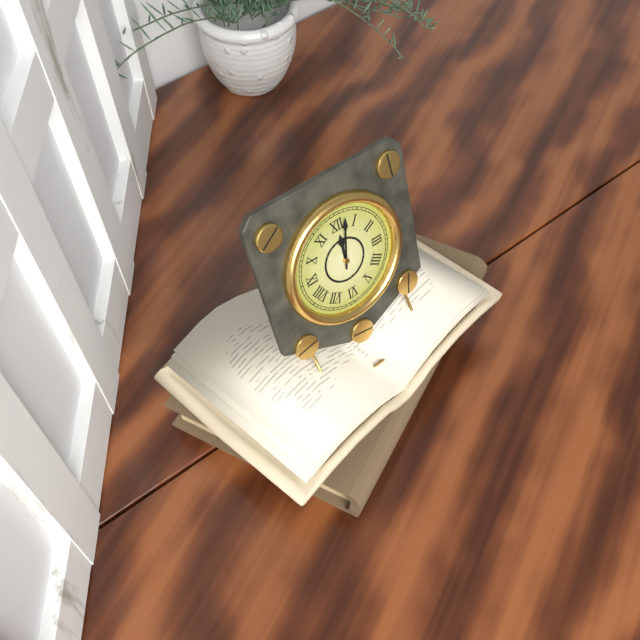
12:02
